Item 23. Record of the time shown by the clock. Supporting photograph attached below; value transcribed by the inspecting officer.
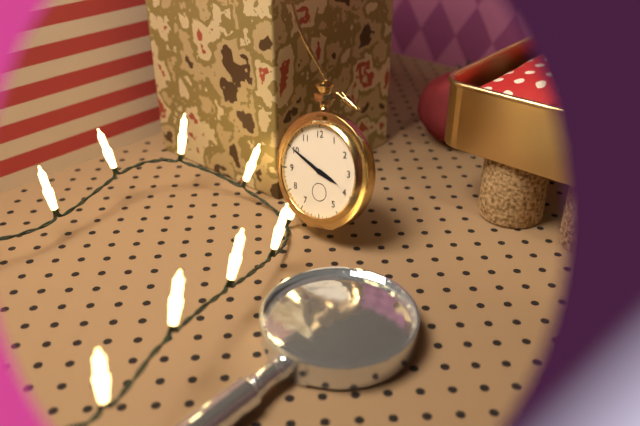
3:50
